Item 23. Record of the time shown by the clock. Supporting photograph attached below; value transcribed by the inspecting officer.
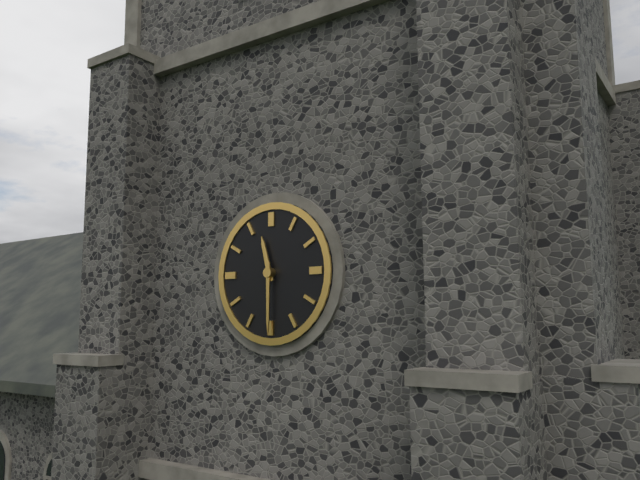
11:30
